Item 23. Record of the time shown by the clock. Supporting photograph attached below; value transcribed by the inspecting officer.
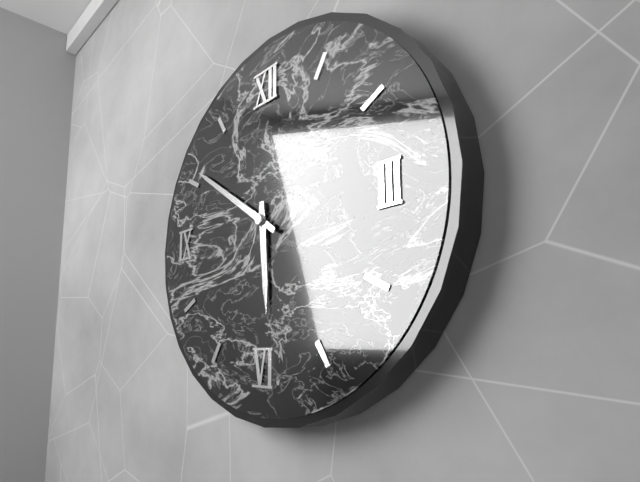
5:51
